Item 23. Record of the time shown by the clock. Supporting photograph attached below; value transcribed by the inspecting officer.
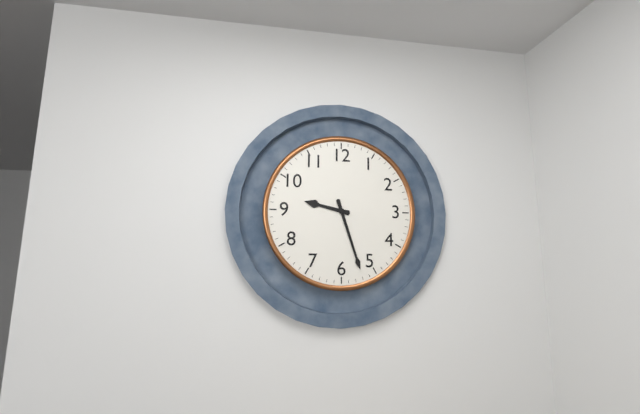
9:27
